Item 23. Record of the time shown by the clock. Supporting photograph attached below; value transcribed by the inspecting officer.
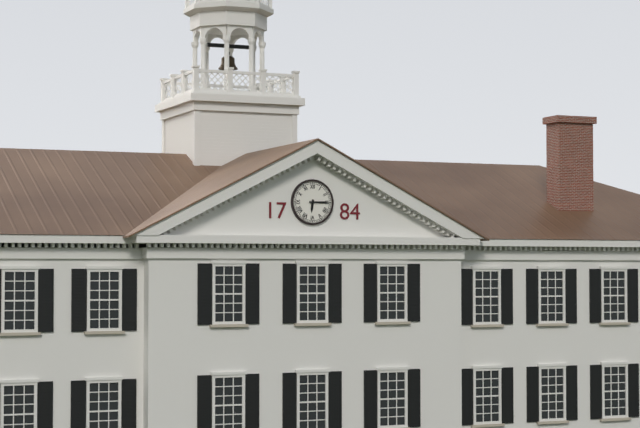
6:15
